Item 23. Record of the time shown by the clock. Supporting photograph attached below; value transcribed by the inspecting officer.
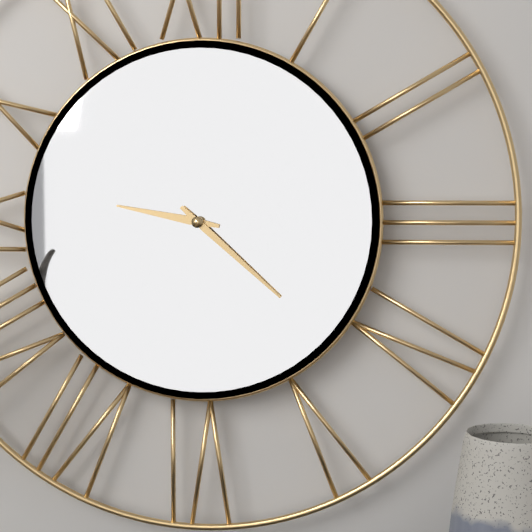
9:22
